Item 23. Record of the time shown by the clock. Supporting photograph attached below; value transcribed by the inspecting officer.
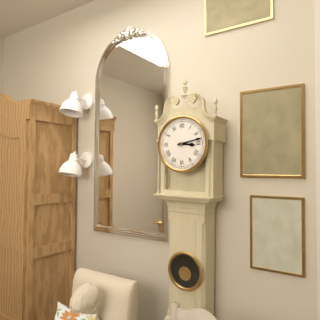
3:13
